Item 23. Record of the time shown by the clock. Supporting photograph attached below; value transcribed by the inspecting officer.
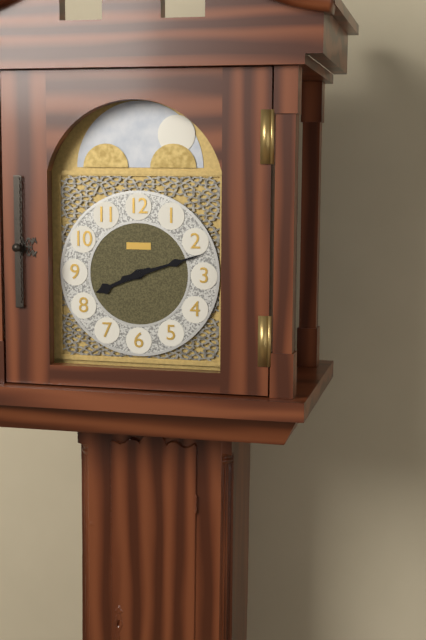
8:12
